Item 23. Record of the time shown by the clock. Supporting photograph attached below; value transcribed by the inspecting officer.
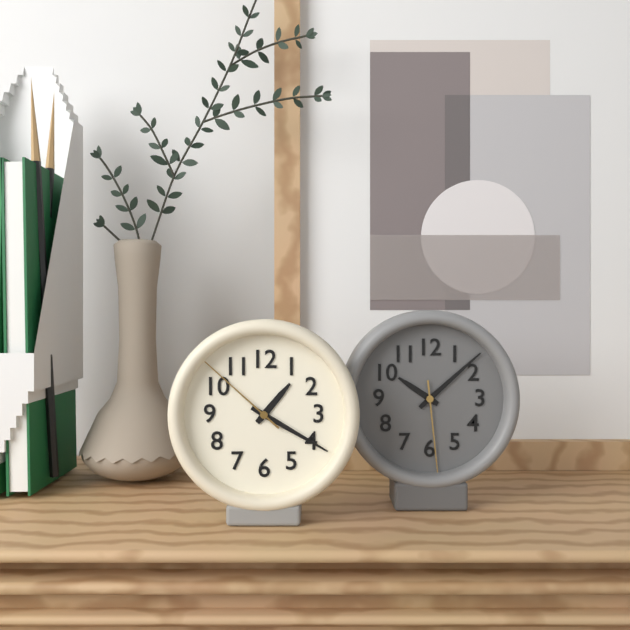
1:20:52
